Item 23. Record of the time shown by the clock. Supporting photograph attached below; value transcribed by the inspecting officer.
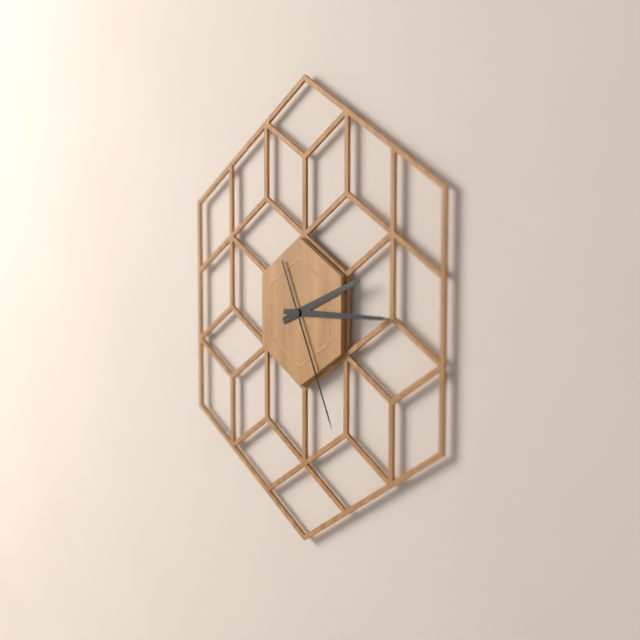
2:15:26
